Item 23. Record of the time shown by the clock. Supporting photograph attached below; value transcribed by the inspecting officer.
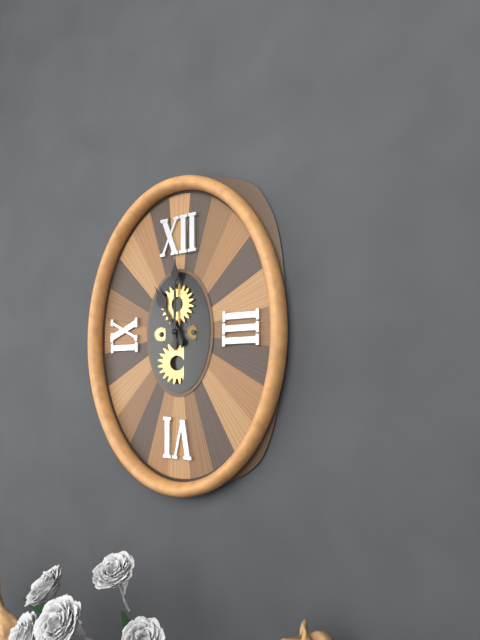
11:00
